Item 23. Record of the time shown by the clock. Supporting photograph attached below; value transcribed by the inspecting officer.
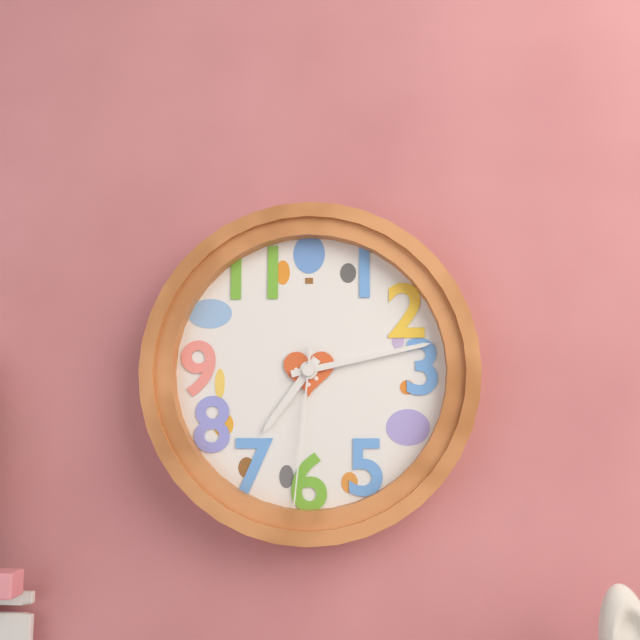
7:13:31
